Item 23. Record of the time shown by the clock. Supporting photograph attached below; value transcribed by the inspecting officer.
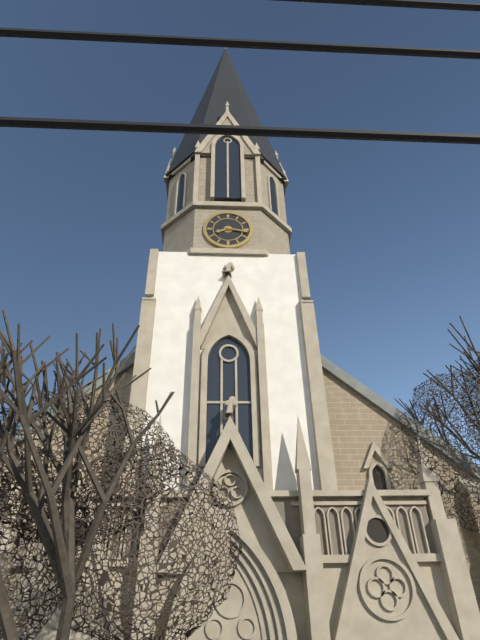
8:17
